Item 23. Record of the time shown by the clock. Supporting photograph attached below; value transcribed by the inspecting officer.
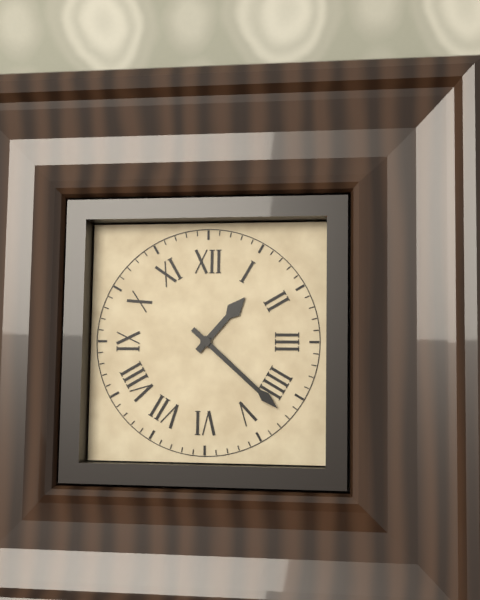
1:22
